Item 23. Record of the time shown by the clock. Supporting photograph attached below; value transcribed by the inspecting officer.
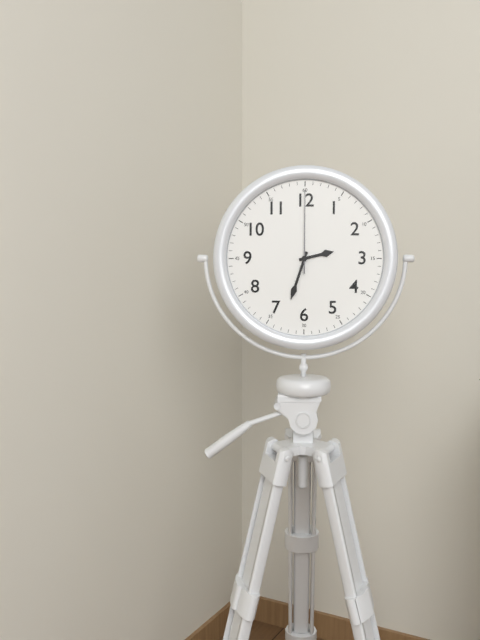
2:33:00
